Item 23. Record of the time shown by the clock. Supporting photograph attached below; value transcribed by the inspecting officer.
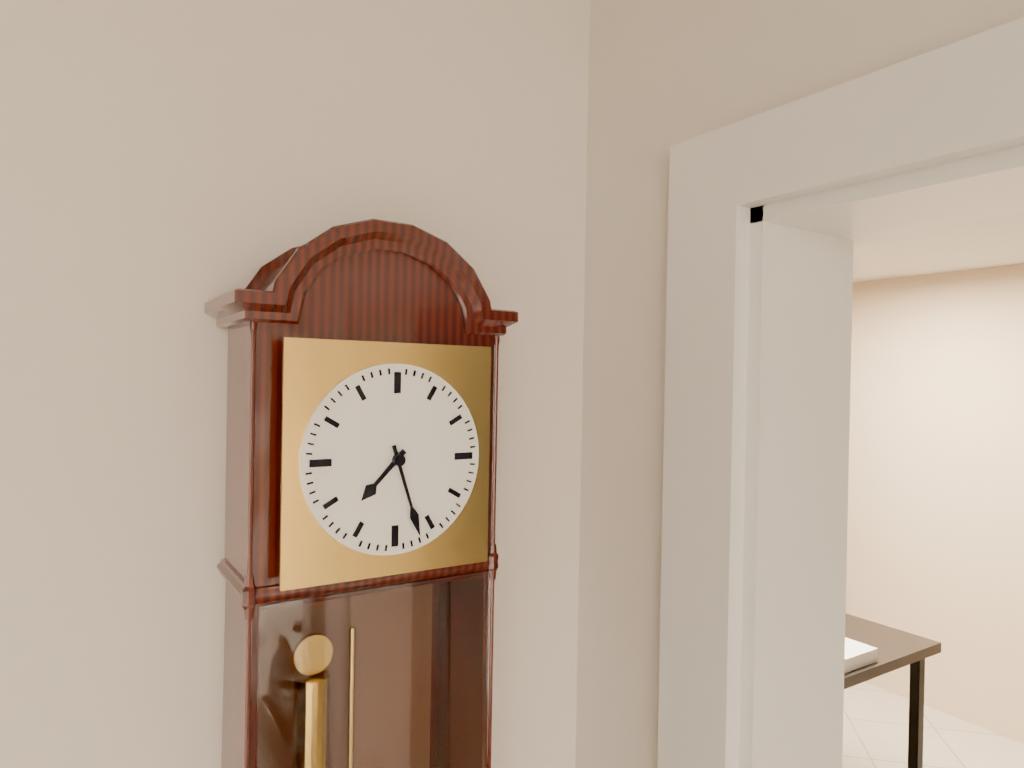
7:27
